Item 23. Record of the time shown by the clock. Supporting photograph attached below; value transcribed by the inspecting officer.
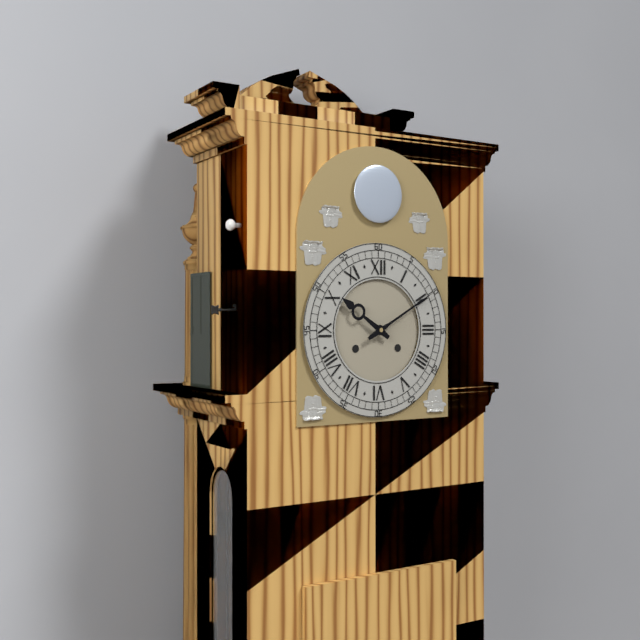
10:10
